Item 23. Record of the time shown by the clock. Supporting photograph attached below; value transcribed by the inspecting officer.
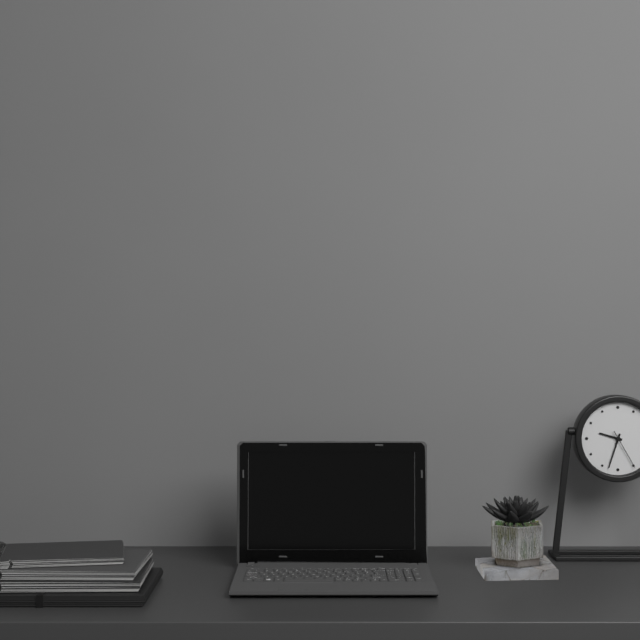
9:33
